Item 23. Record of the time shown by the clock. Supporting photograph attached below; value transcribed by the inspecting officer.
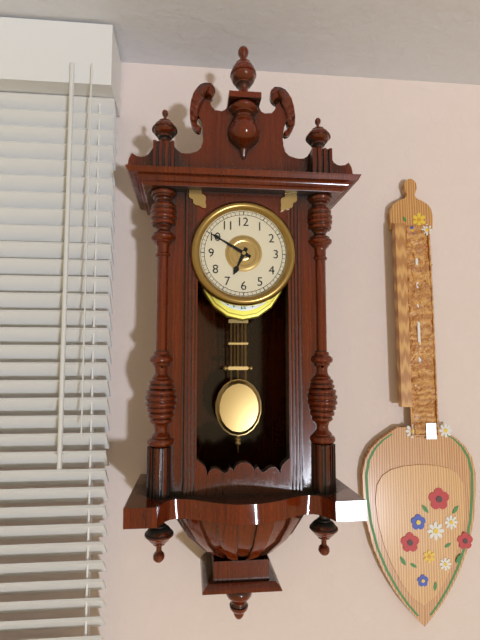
6:50
